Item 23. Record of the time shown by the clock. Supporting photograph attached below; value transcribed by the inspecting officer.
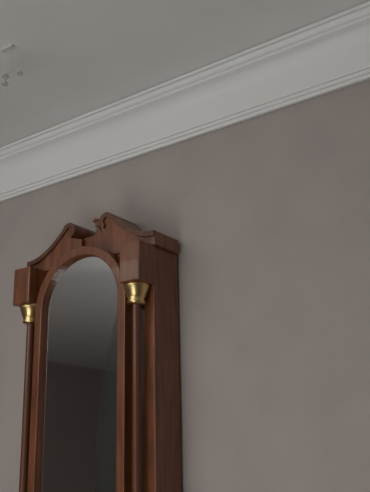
5:01
